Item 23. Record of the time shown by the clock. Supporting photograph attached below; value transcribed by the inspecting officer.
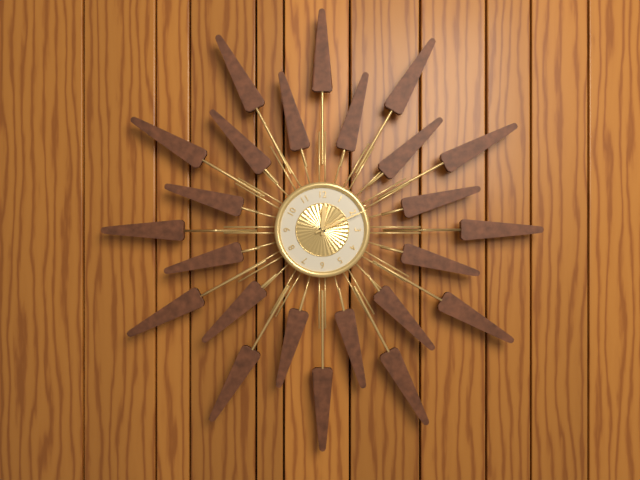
12:11
